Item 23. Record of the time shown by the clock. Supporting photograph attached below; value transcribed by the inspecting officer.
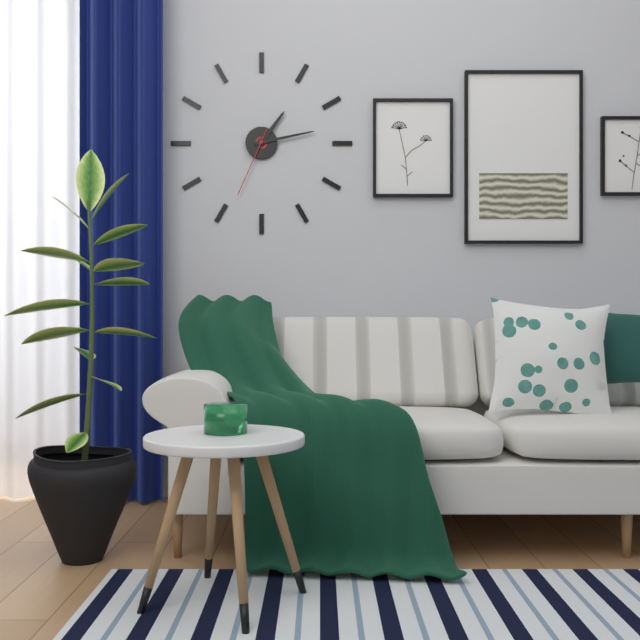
1:13:34
